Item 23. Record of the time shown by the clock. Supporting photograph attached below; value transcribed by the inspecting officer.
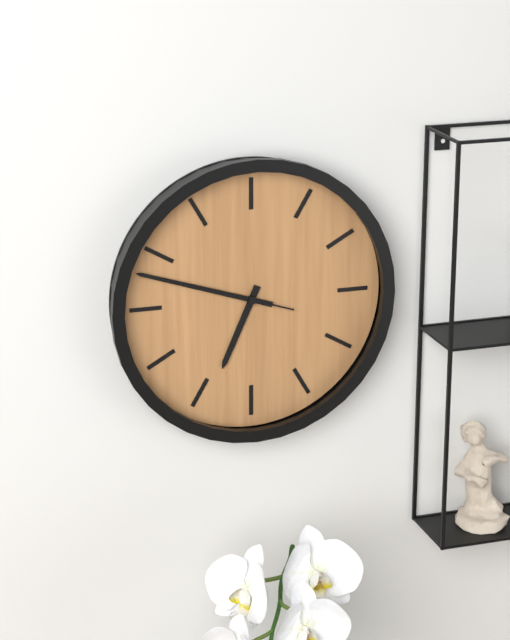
6:48:48
